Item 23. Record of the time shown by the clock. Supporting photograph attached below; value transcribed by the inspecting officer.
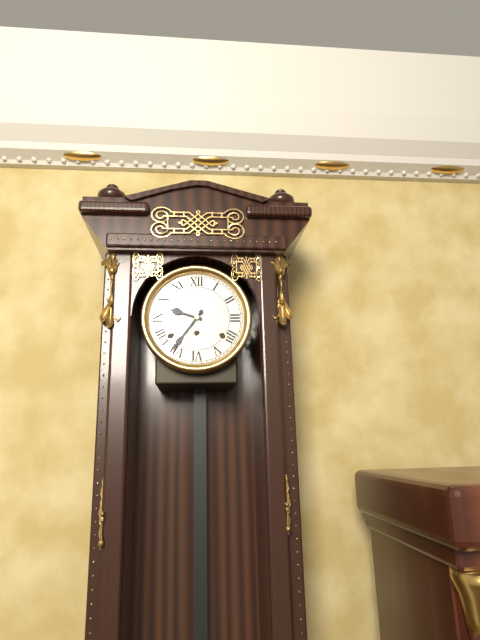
9:36
